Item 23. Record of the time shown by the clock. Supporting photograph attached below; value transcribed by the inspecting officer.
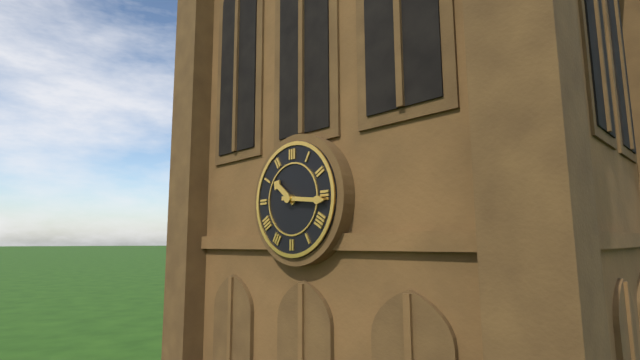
10:16
